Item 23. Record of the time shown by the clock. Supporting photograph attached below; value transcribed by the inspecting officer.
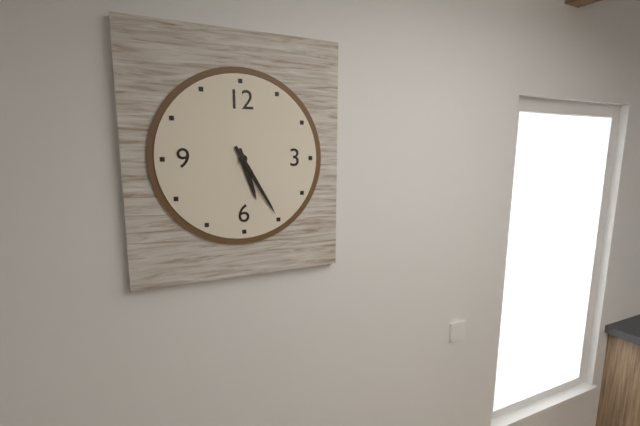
5:25
